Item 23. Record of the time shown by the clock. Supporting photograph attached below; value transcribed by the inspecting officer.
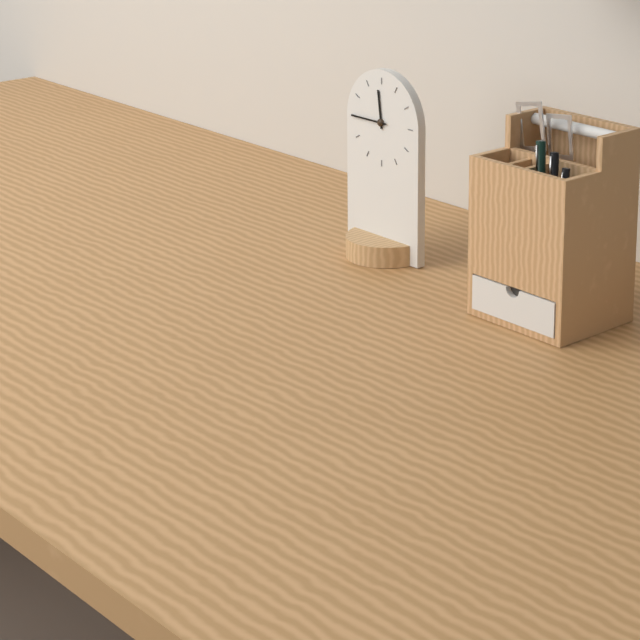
11:45
